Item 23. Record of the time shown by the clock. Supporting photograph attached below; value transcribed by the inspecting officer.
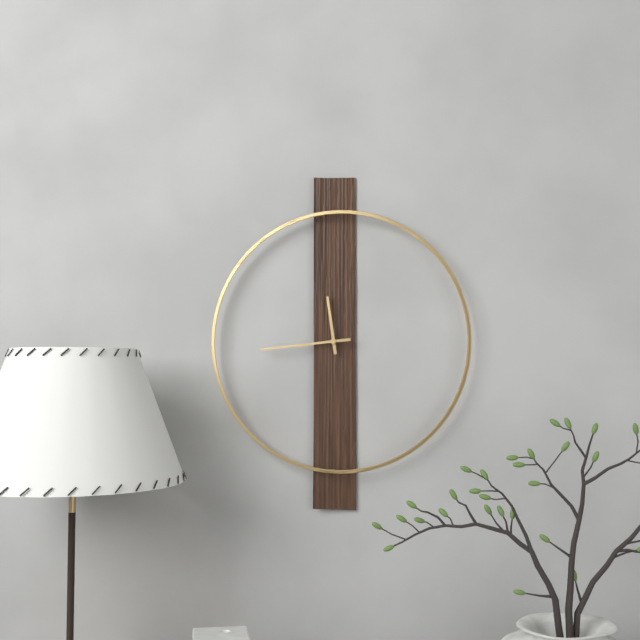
11:44
